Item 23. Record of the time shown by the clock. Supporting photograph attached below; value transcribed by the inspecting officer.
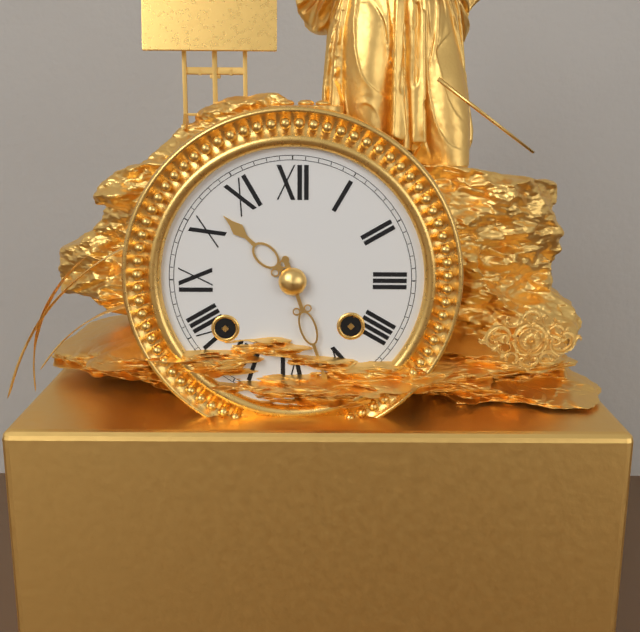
10:27
